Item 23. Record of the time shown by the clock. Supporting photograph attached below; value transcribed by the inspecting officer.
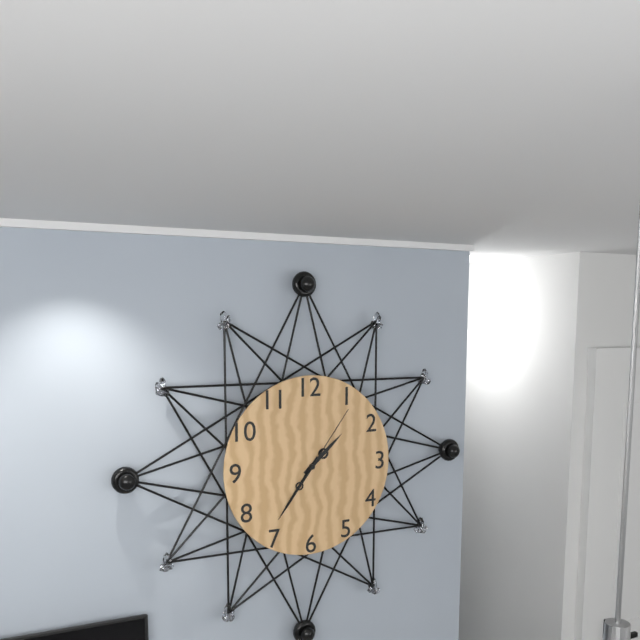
1:36:06
